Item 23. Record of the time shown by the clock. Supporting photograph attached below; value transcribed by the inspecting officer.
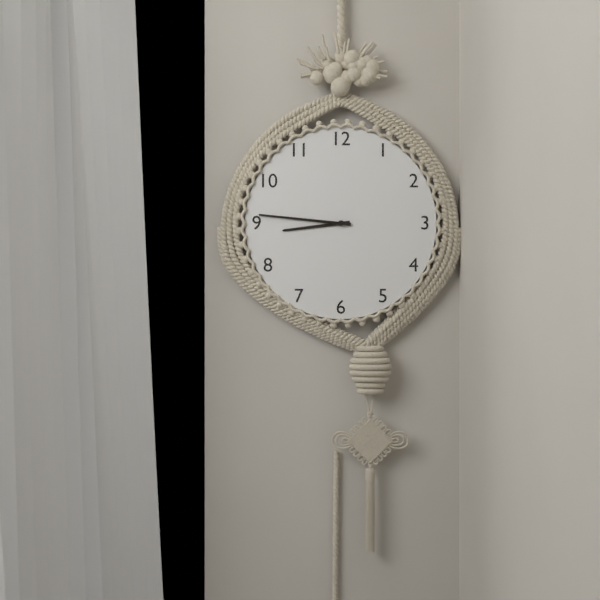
8:46
